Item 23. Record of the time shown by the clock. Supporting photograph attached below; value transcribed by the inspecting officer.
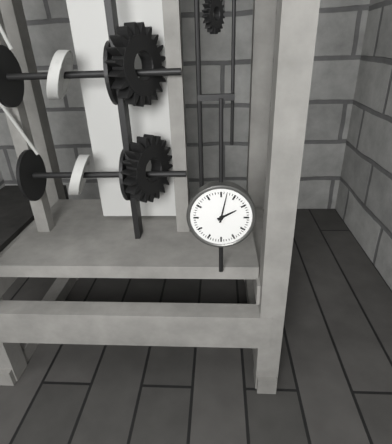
2:02
